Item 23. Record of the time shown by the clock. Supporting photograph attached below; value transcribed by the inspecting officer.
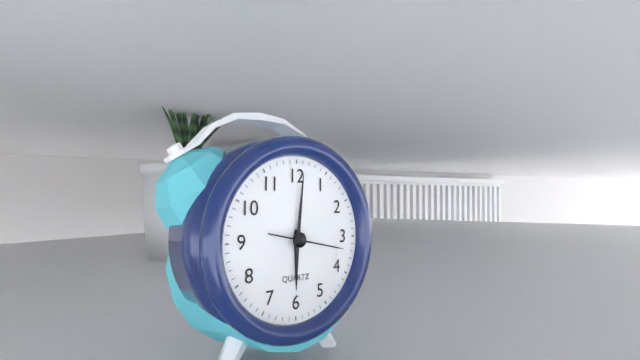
6:01:17
